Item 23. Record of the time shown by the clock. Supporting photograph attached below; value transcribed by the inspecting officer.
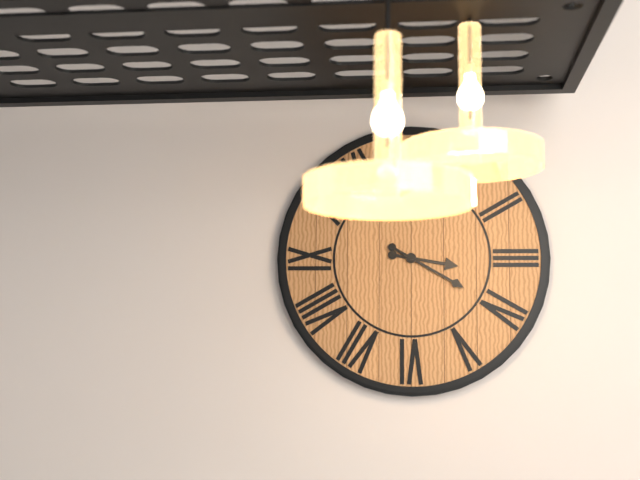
3:20
